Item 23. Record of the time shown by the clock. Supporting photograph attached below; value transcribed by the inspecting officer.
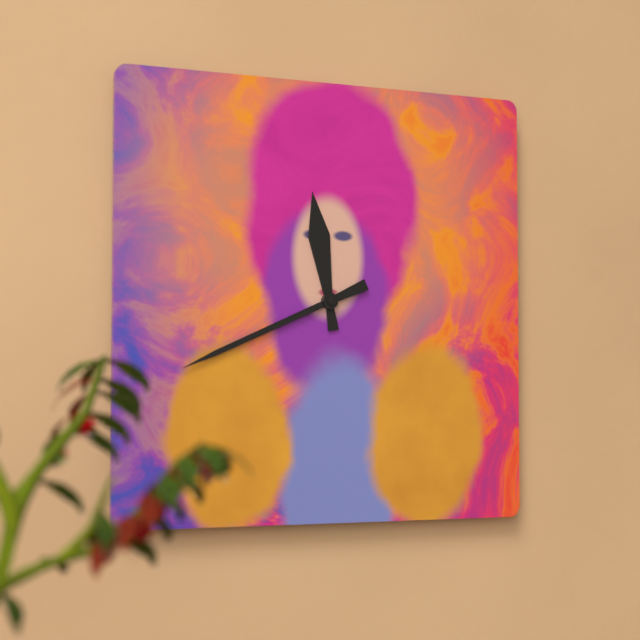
11:41
